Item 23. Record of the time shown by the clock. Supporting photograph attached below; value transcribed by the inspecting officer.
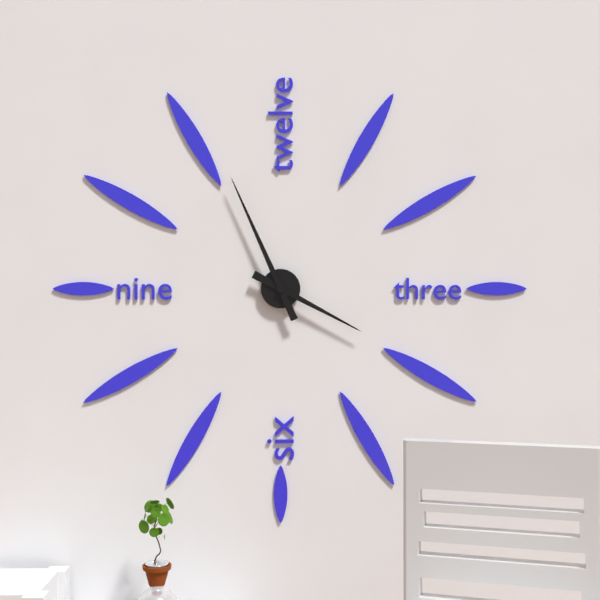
3:56
